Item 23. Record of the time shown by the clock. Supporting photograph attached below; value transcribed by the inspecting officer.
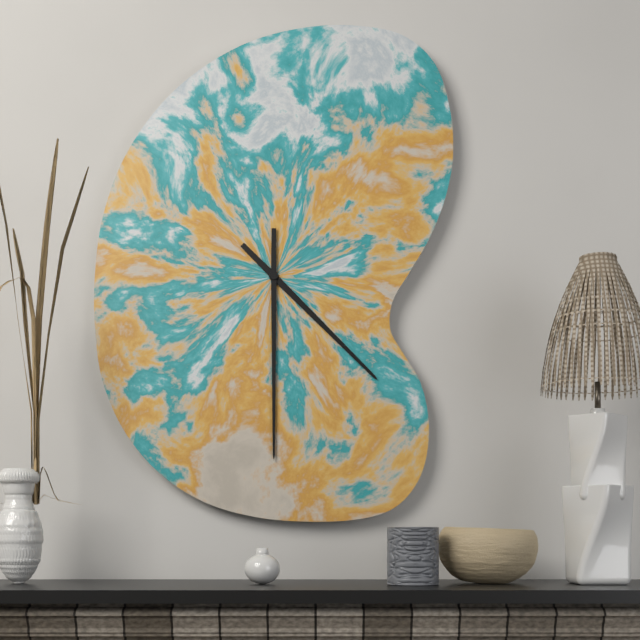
4:30
